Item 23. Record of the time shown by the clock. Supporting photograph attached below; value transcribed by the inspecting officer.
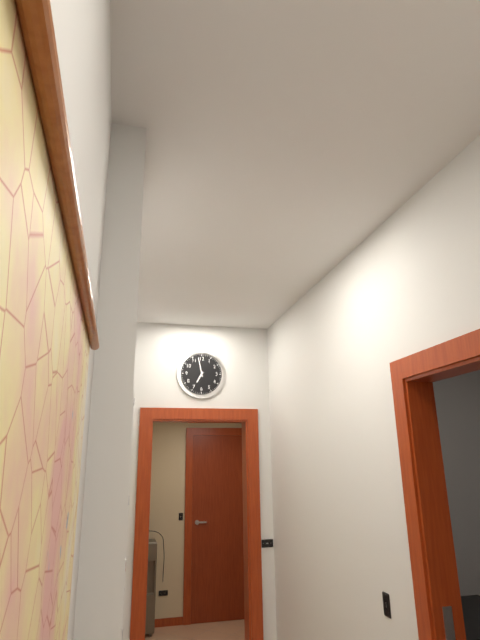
6:58
